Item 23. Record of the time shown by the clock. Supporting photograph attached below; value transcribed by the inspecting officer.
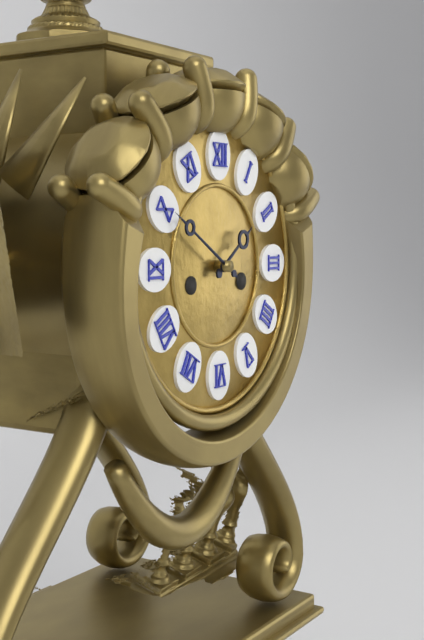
1:50
